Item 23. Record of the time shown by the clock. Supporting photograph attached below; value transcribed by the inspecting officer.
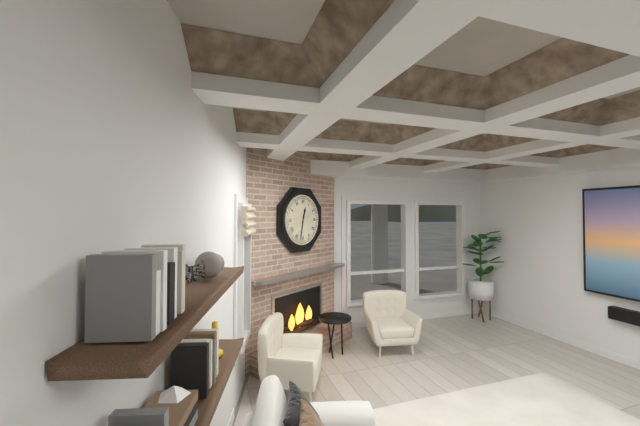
12:32
